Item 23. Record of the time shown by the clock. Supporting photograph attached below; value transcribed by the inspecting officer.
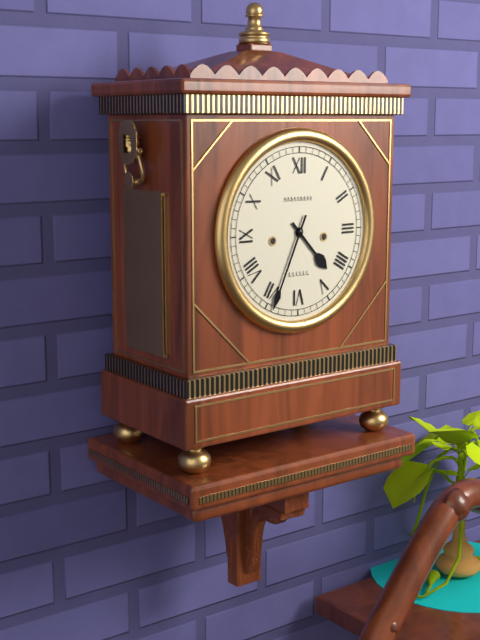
4:34
